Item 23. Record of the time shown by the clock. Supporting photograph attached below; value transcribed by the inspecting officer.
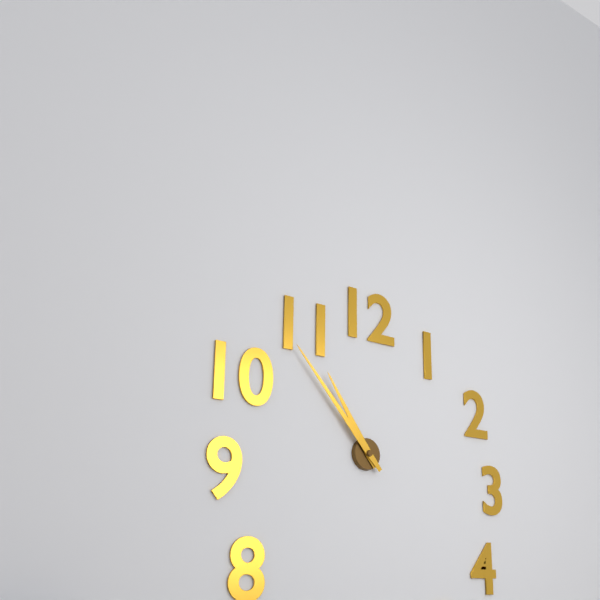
10:53
